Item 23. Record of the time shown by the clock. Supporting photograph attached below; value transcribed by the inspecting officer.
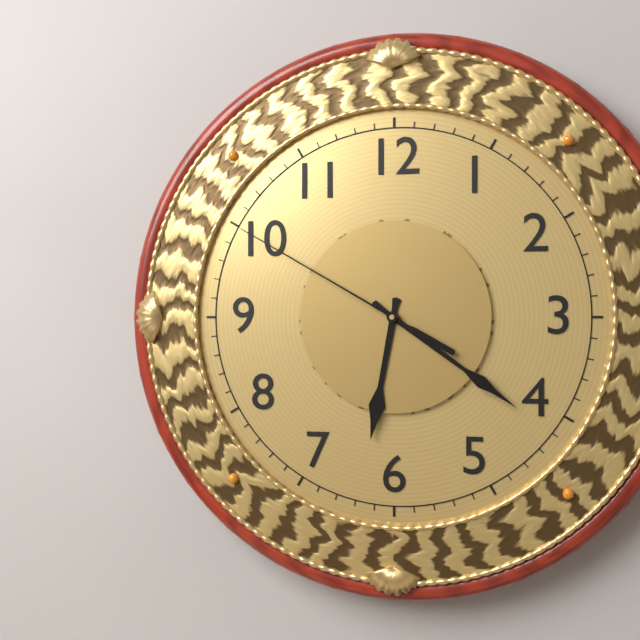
6:21:50
